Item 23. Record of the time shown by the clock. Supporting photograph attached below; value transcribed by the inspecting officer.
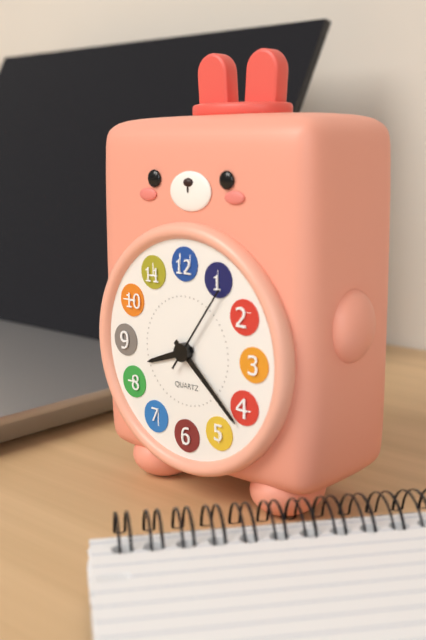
8:22:06
